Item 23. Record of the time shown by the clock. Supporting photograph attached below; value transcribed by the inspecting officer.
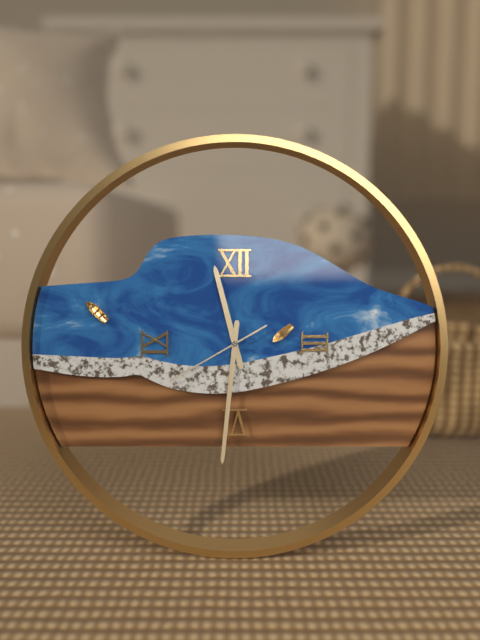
11:31:40
